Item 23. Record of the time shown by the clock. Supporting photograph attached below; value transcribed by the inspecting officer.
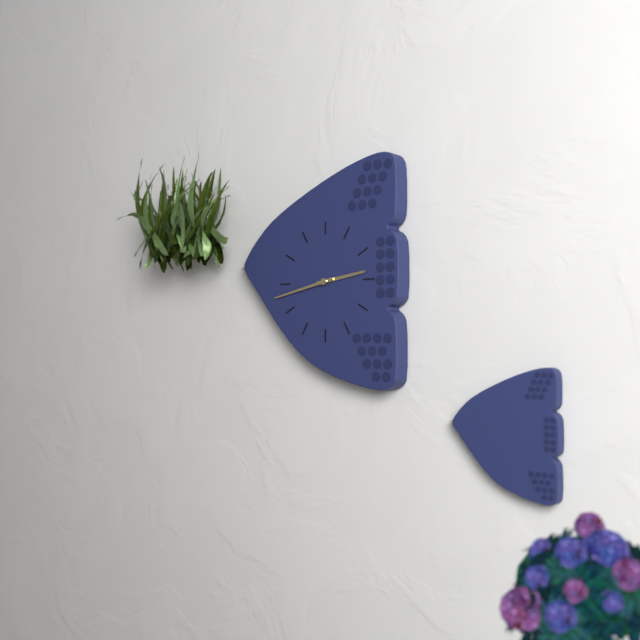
2:43
